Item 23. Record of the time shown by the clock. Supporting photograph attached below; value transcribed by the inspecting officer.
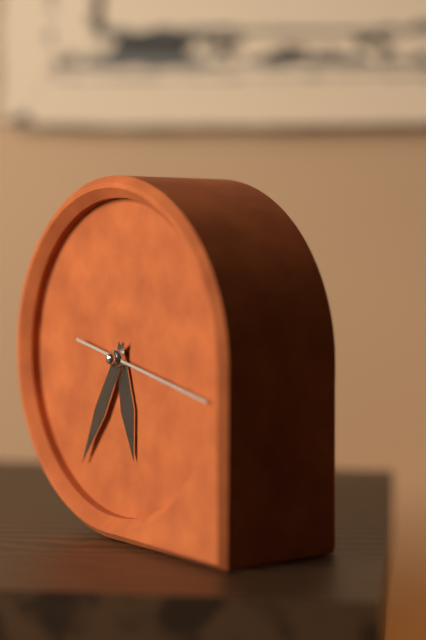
5:35:17
